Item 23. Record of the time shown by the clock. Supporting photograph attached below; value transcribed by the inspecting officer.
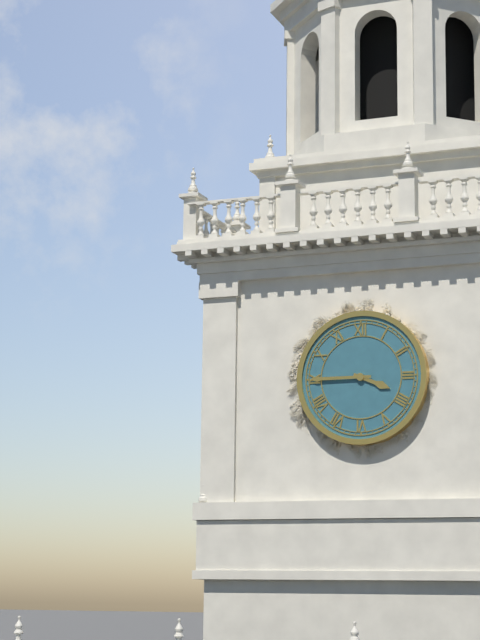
3:45
